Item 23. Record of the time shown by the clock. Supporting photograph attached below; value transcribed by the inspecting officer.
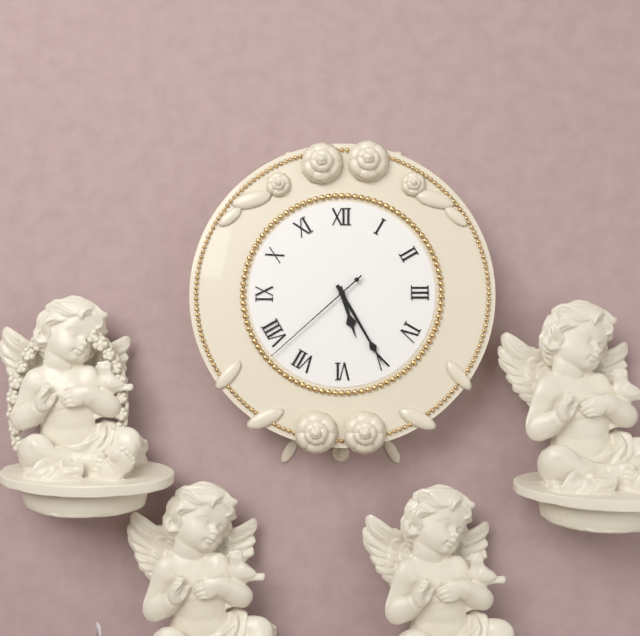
5:25:38
